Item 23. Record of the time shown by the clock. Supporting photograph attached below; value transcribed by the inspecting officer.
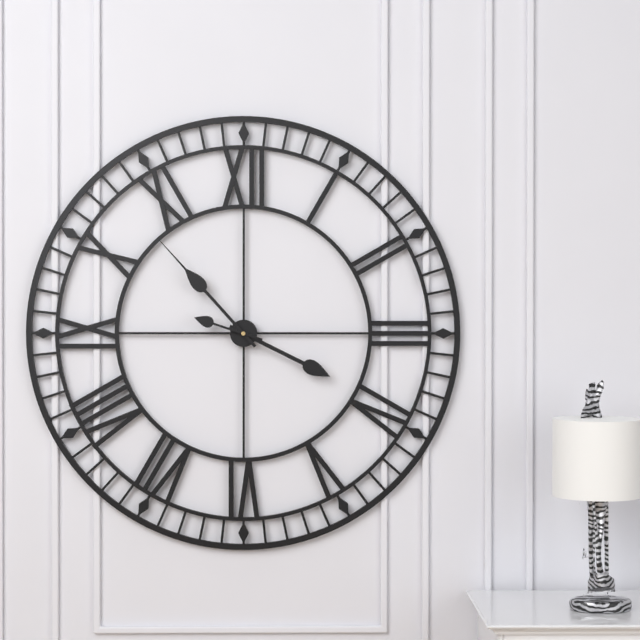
3:53:48
